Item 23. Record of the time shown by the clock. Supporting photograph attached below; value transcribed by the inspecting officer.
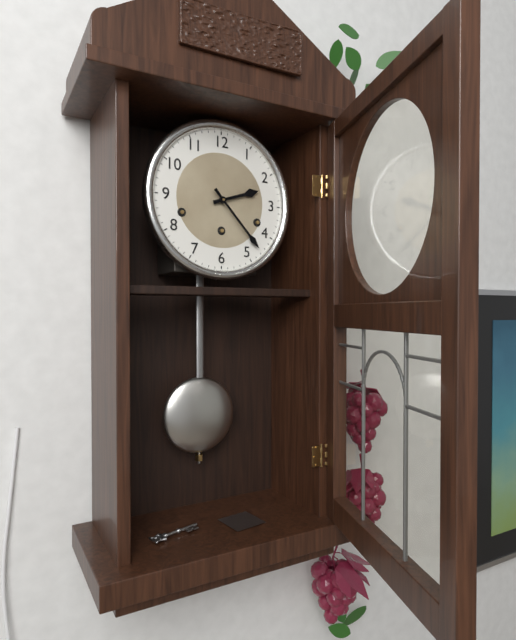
2:23
